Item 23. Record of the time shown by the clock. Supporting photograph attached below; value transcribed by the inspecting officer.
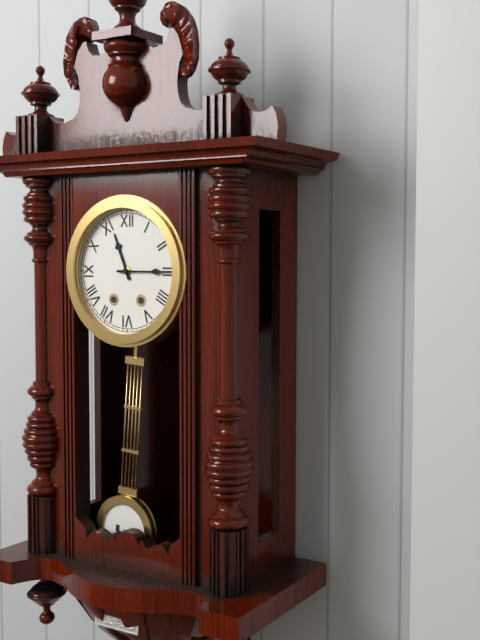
11:15
